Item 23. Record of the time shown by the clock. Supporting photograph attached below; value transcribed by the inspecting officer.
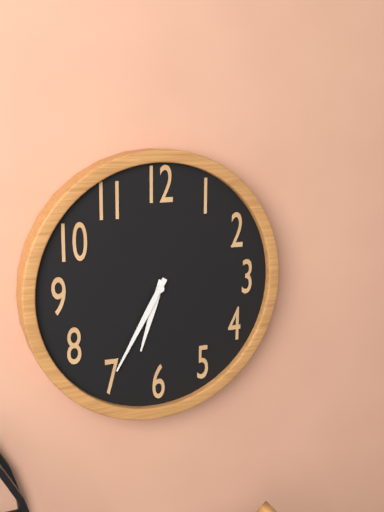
6:35
